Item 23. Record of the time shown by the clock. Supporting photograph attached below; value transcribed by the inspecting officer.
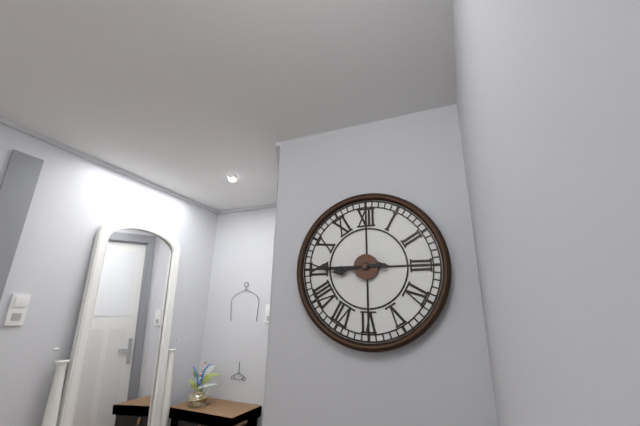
8:45
